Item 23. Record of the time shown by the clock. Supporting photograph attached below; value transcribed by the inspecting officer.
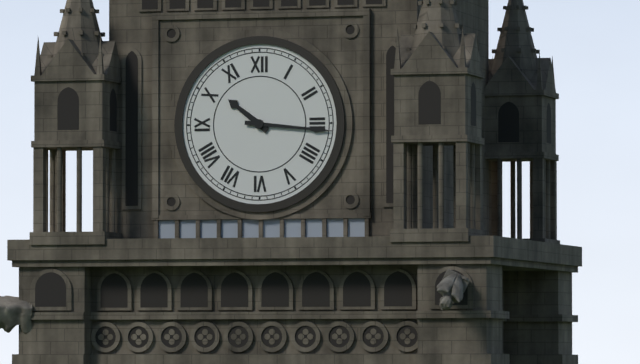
10:16
